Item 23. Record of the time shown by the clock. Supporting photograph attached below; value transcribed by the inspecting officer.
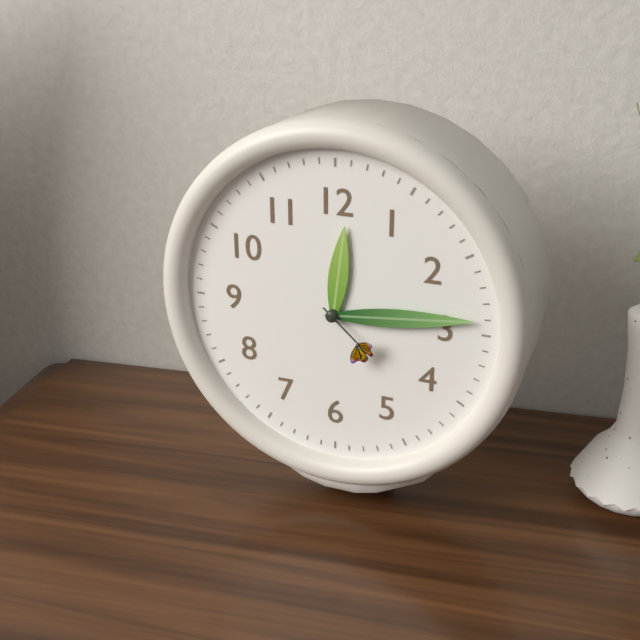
12:14:22
